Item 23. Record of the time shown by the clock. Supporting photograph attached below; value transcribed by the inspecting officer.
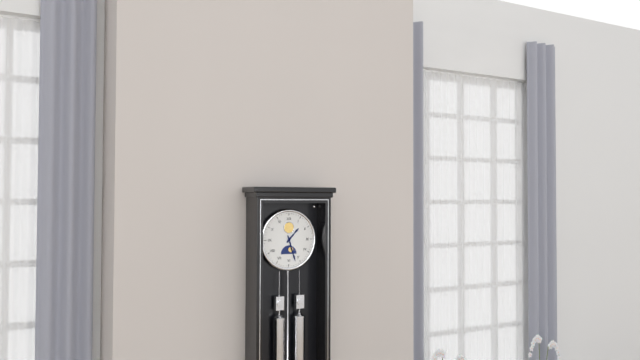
1:27
